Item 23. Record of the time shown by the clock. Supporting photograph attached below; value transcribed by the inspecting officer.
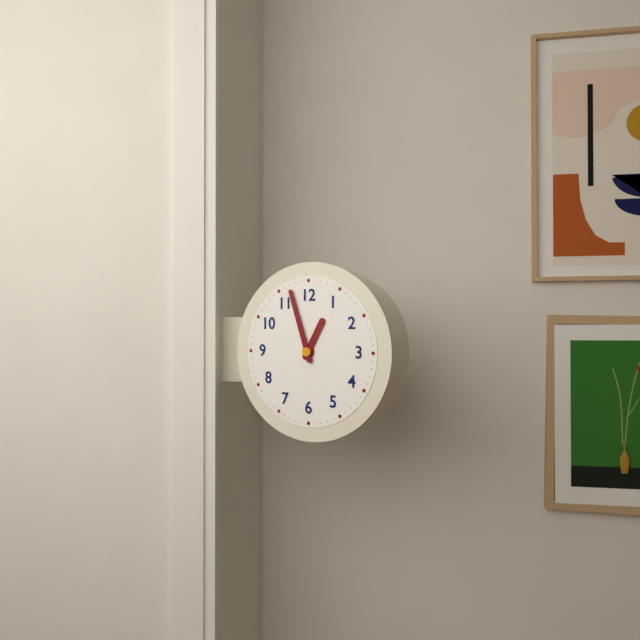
12:57
